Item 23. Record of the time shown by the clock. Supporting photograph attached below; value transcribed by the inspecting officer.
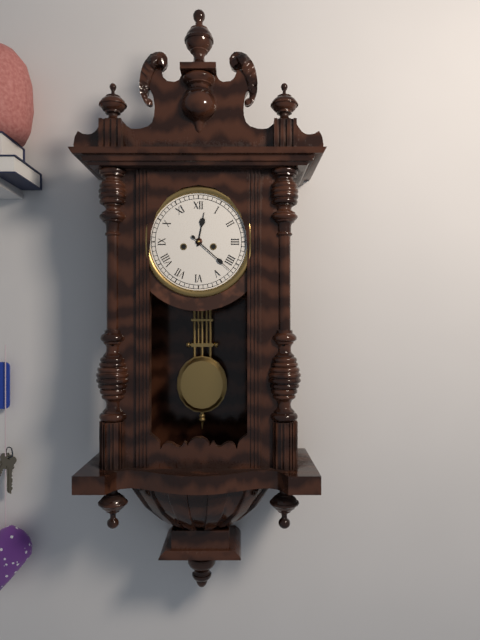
12:22
